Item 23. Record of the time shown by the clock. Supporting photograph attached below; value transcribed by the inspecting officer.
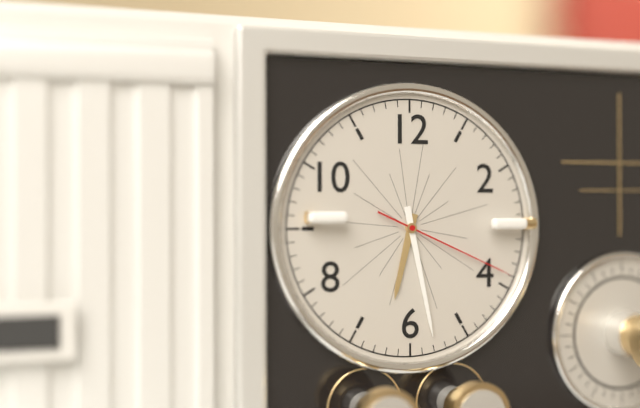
6:28:19
